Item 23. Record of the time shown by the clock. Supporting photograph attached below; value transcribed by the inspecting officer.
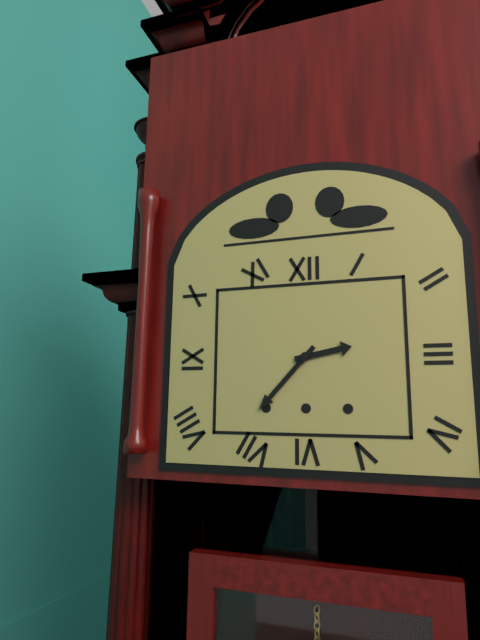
2:37
